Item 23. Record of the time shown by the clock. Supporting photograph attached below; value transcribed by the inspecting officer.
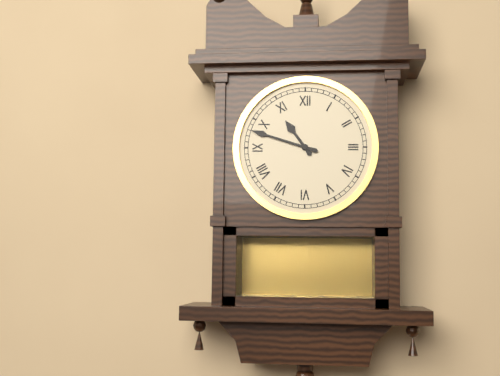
10:48
